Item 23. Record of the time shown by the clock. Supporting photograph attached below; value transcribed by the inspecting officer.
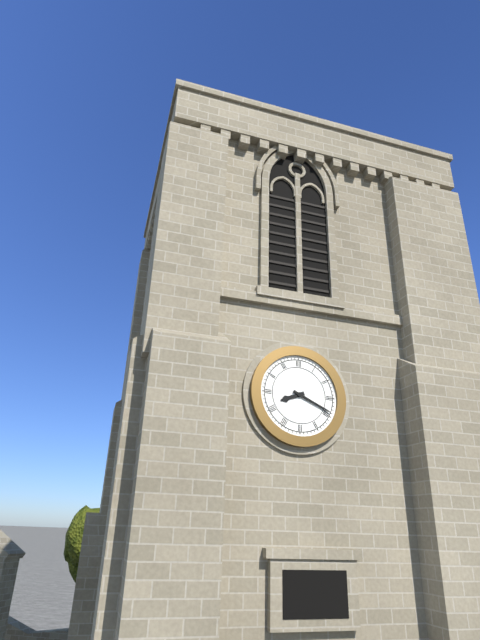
8:19
